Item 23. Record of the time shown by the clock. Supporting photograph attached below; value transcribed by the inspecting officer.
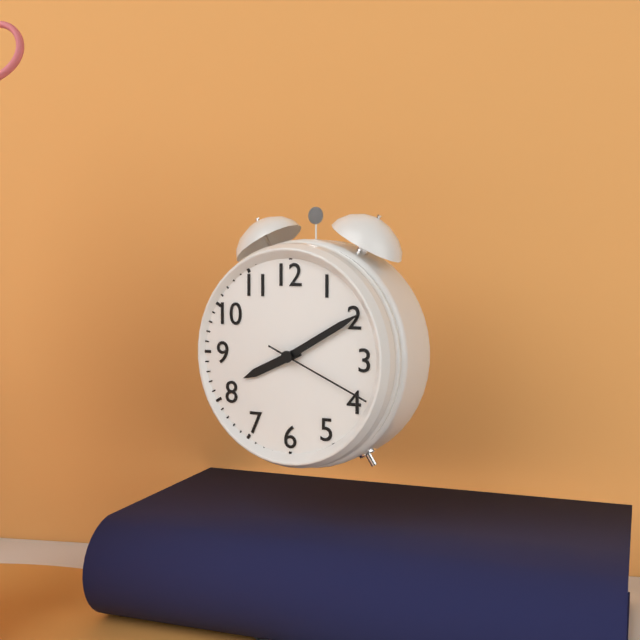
8:10:19
